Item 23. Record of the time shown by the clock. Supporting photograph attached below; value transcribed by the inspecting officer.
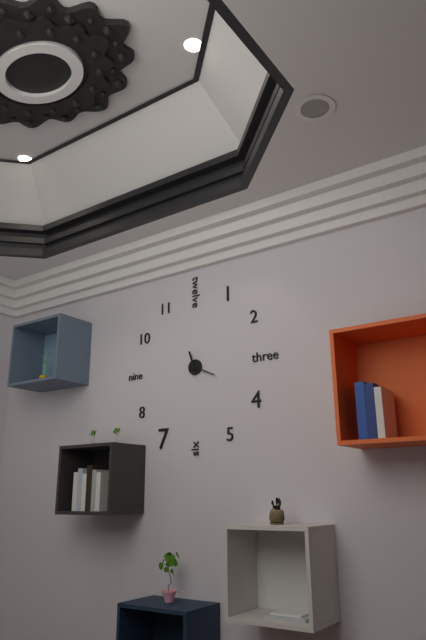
11:19
